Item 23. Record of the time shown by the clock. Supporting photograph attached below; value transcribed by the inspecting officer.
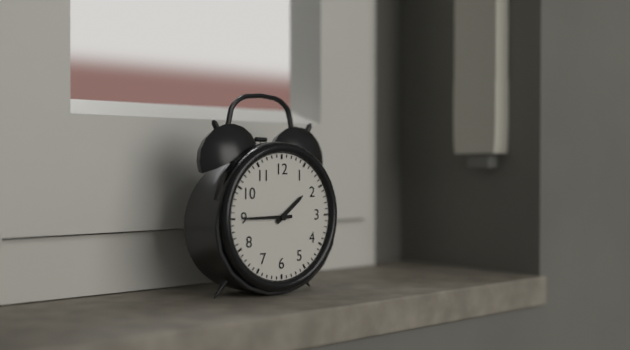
1:45
